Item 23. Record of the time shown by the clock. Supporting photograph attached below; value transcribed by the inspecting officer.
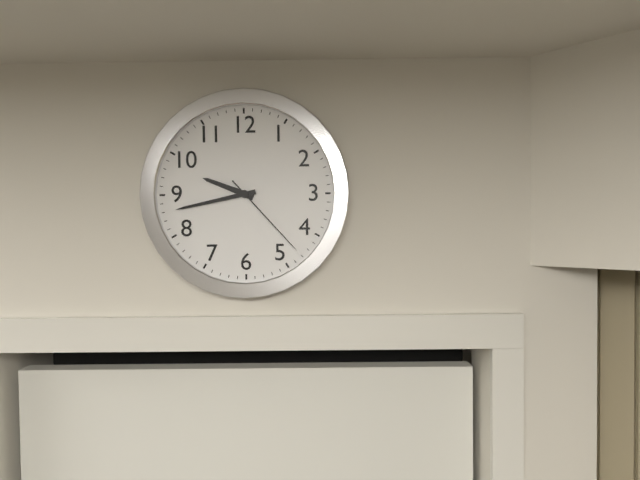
9:43:23
